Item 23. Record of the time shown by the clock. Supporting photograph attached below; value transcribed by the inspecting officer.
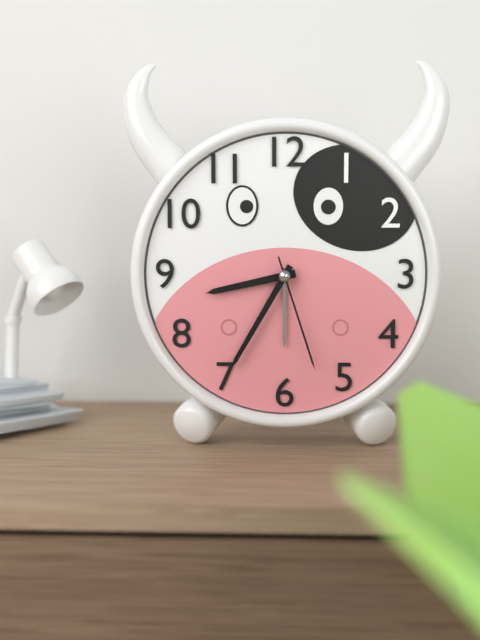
8:35:27
